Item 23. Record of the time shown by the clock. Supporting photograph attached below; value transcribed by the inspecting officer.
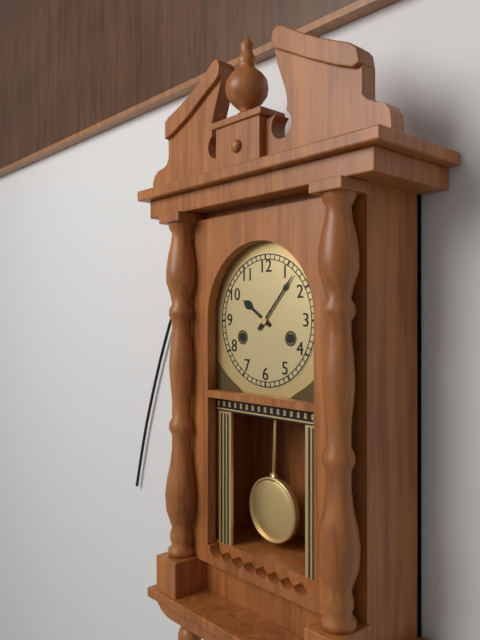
10:07
